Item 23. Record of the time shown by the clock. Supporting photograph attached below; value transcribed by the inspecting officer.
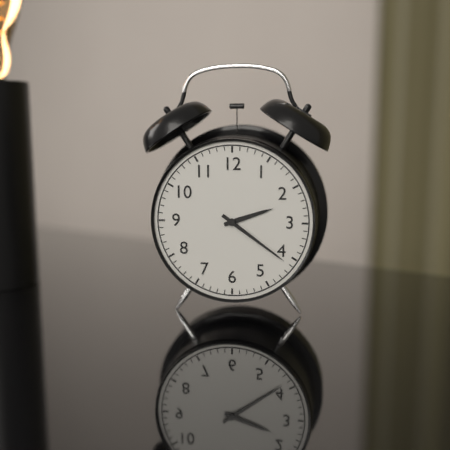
2:21
